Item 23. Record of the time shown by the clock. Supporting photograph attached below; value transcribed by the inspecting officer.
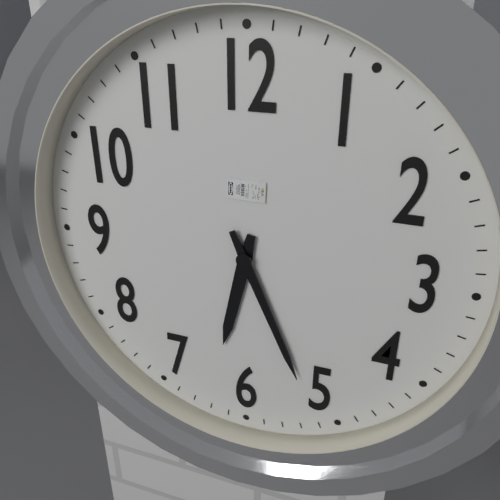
6:26
